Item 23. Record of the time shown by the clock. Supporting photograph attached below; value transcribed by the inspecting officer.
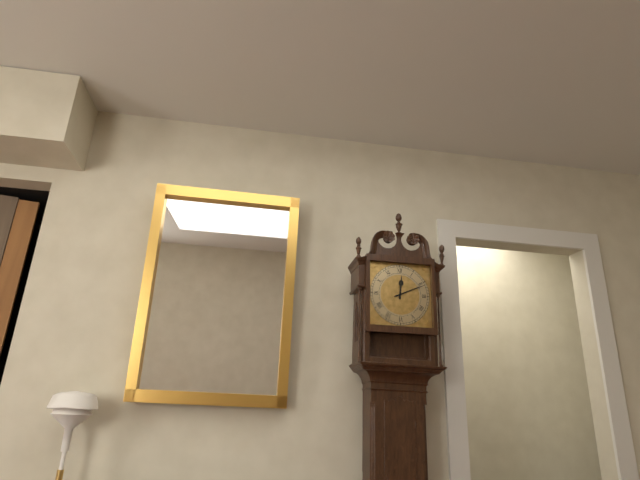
12:11
